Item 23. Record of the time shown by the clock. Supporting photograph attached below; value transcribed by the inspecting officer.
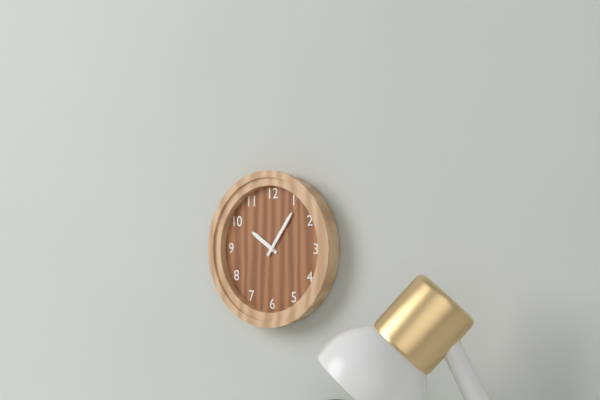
10:06
